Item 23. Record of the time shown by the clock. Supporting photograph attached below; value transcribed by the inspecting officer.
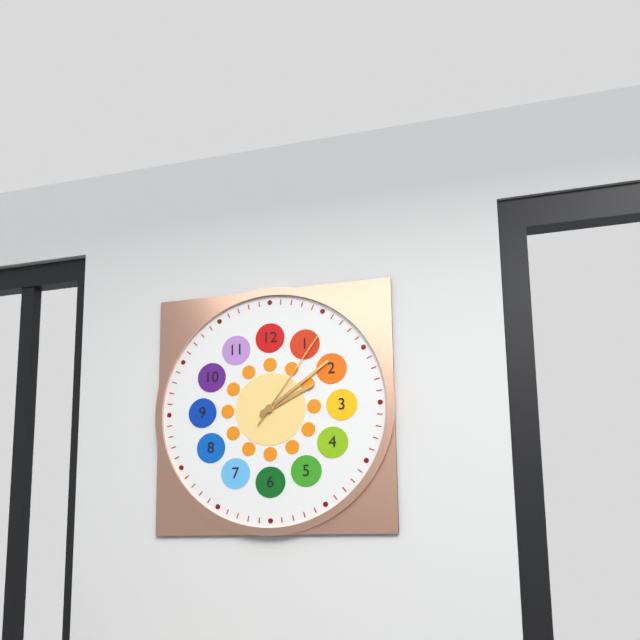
2:09:06
